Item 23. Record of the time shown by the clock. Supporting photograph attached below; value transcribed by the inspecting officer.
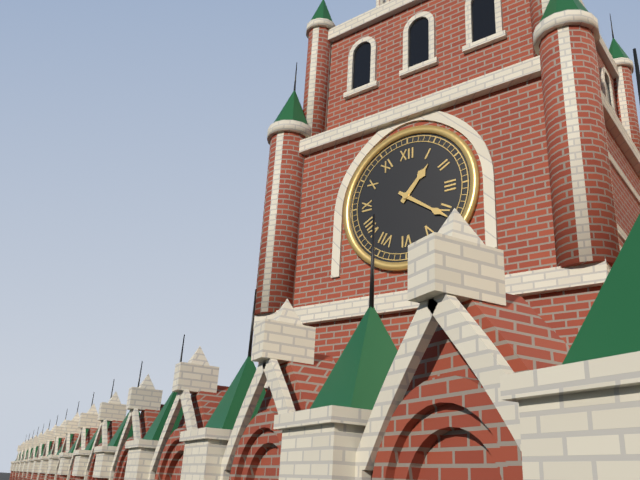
1:21
